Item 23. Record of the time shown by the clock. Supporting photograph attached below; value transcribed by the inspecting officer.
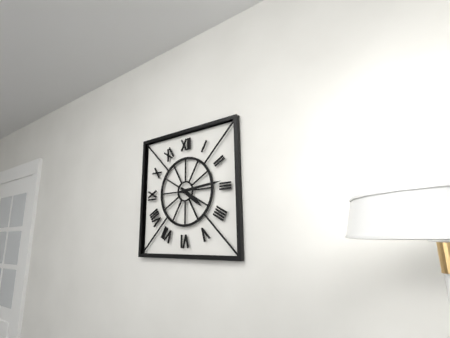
4:14
